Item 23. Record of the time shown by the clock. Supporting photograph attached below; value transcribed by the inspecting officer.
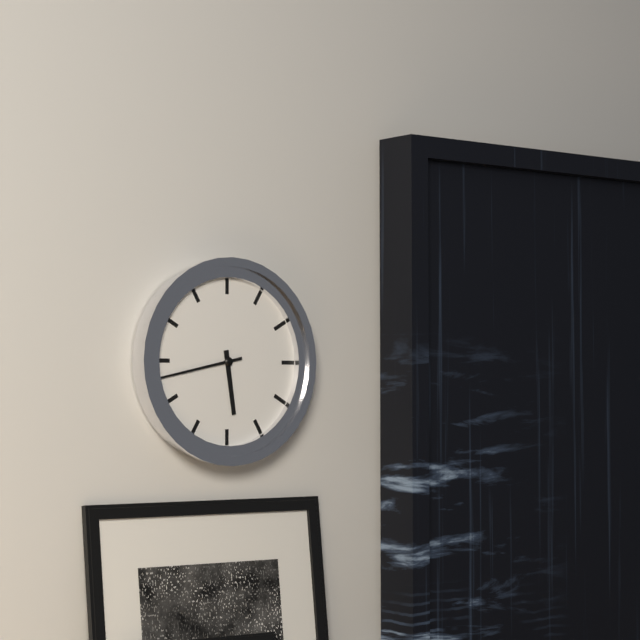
5:43
